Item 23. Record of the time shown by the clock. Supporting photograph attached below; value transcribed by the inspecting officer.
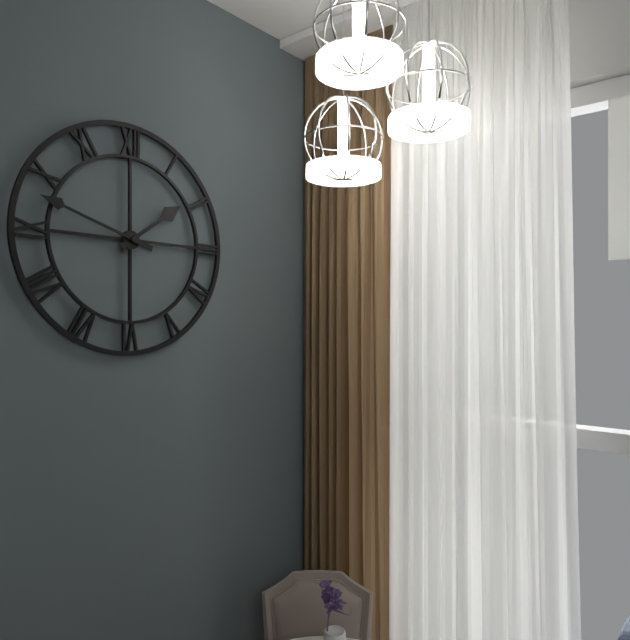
1:48
